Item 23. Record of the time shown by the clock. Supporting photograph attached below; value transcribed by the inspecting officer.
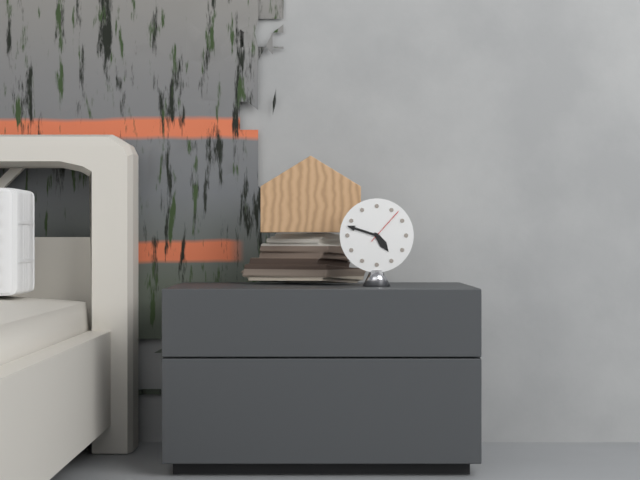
4:48
